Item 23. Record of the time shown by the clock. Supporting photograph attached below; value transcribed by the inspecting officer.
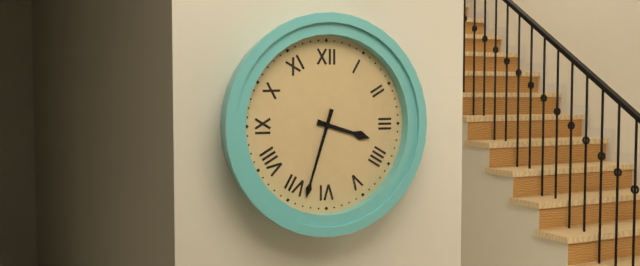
3:33
